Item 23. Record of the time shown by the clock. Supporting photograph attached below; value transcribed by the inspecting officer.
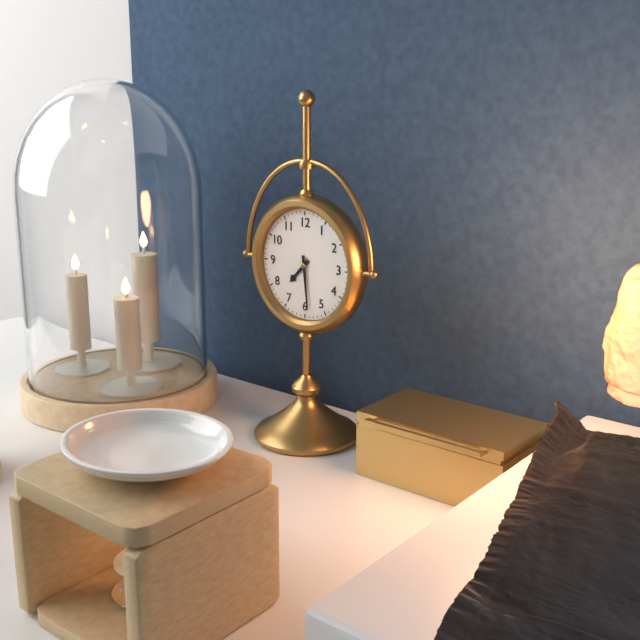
7:29
